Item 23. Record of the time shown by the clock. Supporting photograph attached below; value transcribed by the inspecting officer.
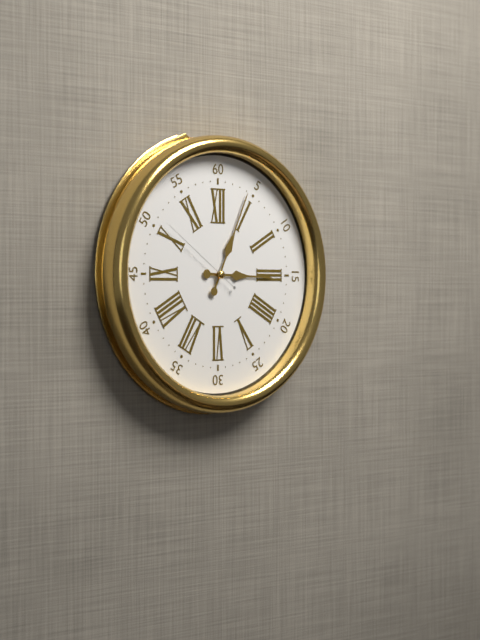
3:04:51
